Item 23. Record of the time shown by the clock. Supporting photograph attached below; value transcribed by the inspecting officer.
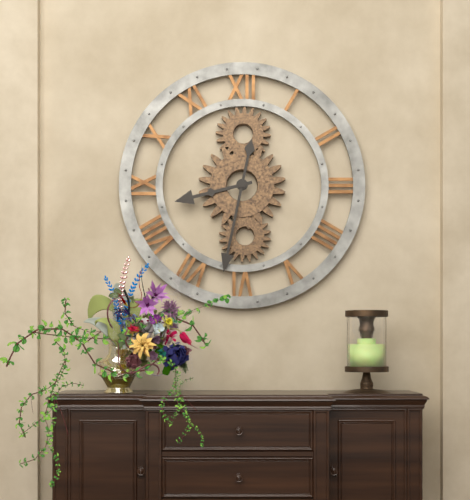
8:32
